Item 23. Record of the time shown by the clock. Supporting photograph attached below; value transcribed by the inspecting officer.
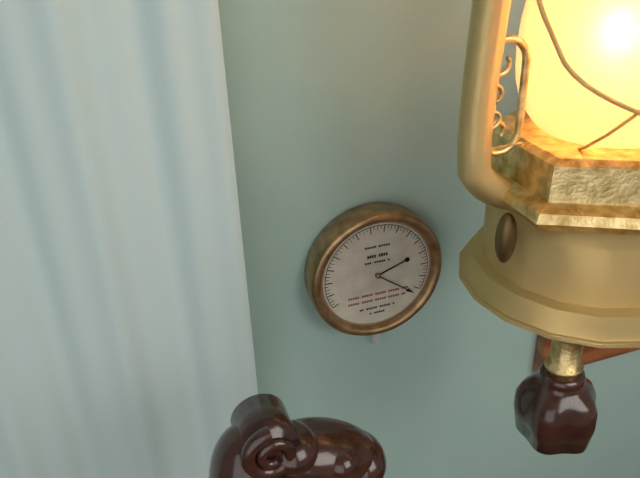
2:21
